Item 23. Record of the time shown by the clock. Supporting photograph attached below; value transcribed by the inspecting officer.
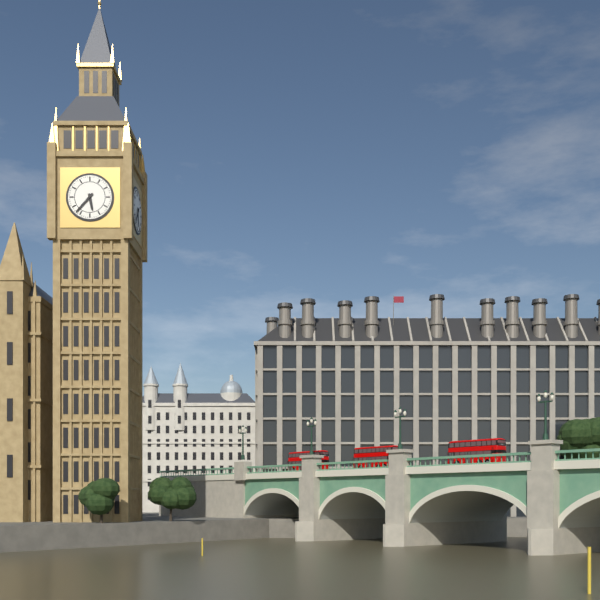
5:37
